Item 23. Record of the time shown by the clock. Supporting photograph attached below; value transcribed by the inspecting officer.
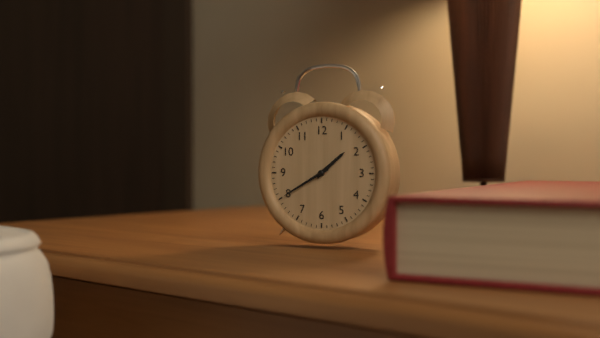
1:40
